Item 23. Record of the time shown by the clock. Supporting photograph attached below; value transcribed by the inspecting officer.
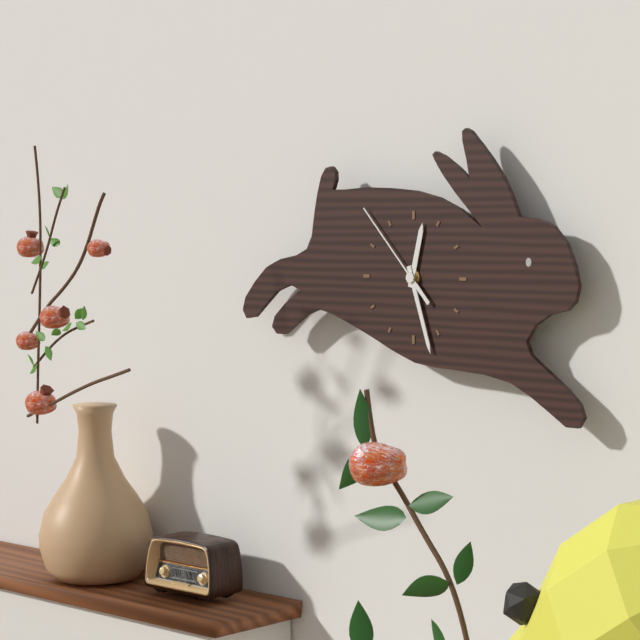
12:27:53
